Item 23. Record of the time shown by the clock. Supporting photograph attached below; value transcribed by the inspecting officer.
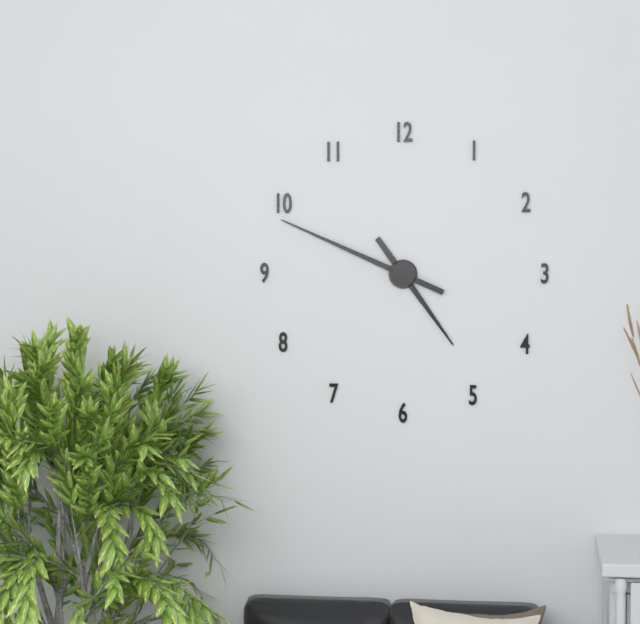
4:49
